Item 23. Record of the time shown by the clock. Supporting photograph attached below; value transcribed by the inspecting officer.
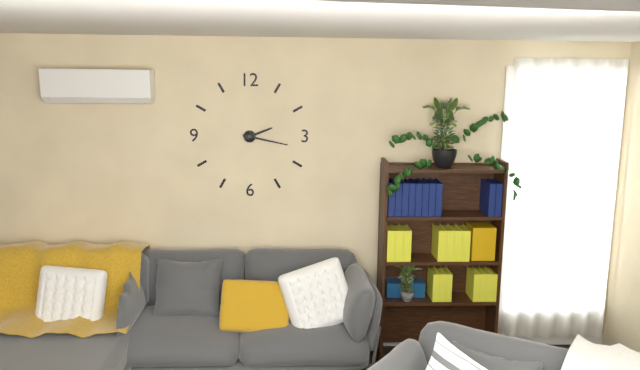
2:17
